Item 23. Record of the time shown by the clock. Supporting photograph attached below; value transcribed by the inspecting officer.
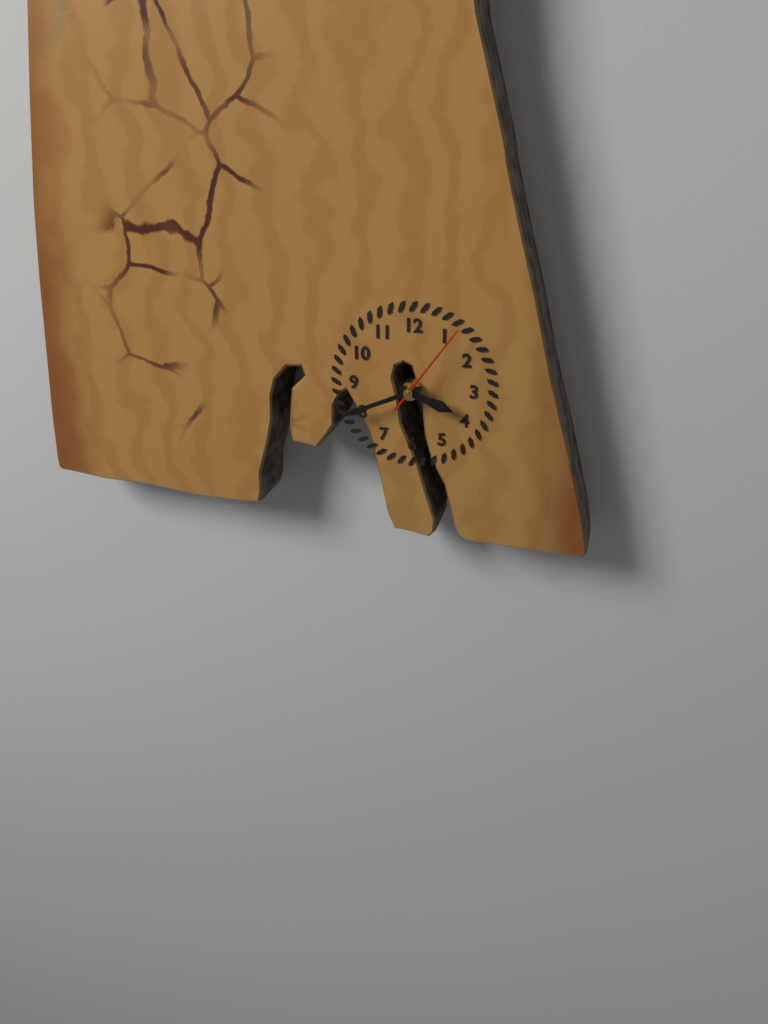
3:41:06
